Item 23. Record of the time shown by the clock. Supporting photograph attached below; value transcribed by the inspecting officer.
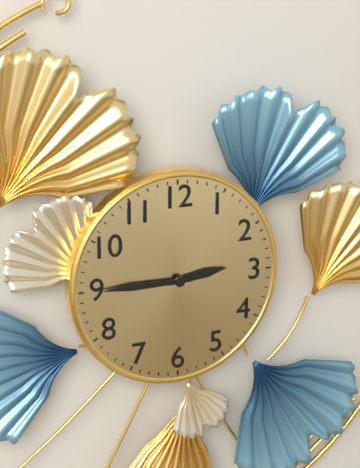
2:45
